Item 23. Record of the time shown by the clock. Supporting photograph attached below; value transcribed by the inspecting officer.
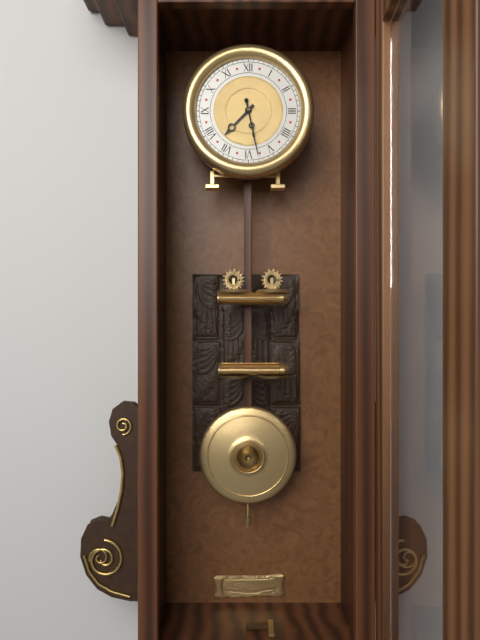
7:28
